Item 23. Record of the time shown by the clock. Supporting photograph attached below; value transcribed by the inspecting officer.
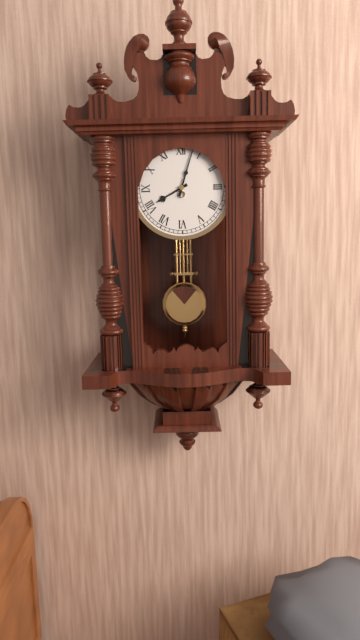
8:03
